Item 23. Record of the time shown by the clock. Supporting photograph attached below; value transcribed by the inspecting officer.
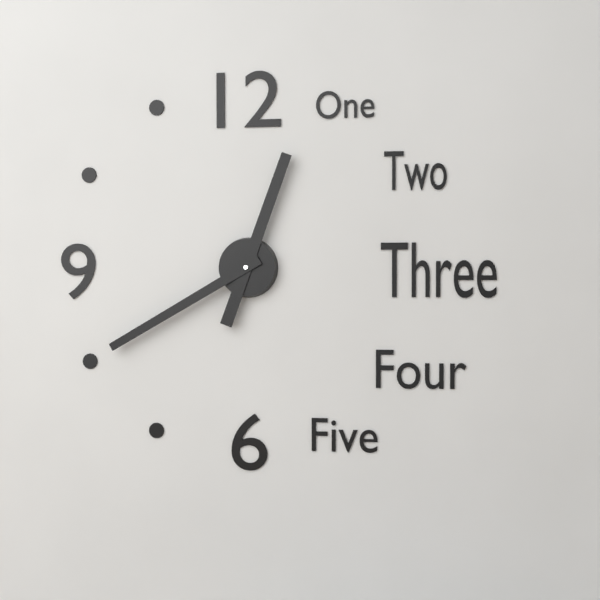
12:40
